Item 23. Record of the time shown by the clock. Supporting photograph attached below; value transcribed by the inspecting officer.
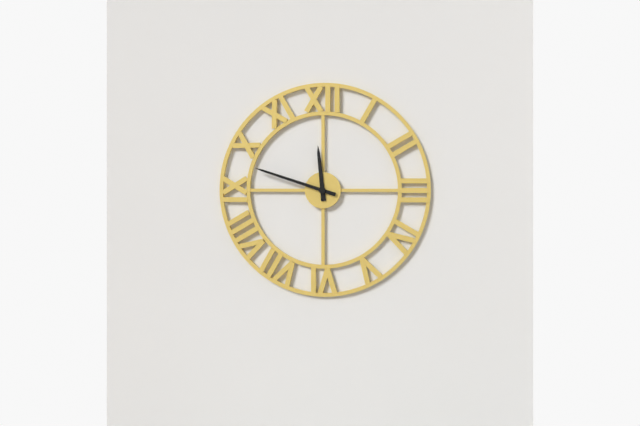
11:48
